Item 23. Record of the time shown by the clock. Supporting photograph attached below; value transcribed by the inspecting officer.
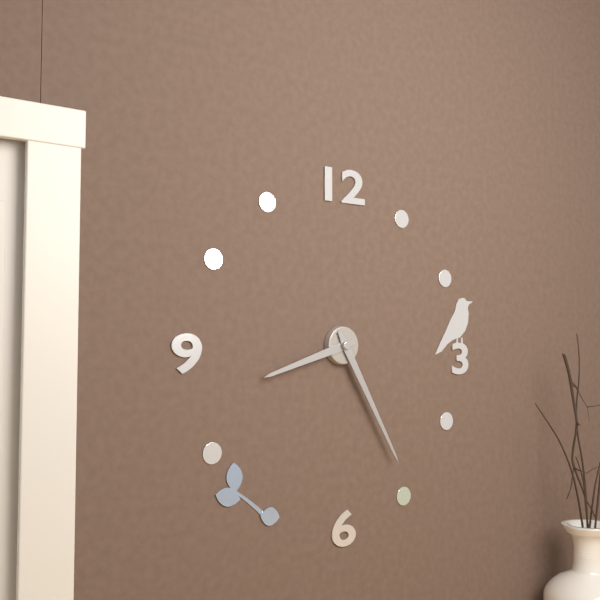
8:25
